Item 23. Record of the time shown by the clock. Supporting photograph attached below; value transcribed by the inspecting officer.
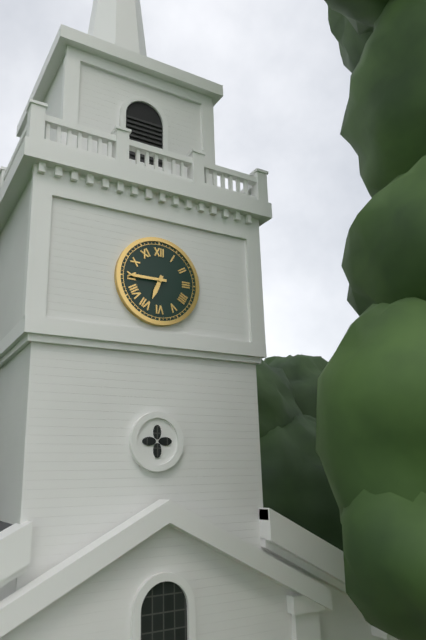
6:45
